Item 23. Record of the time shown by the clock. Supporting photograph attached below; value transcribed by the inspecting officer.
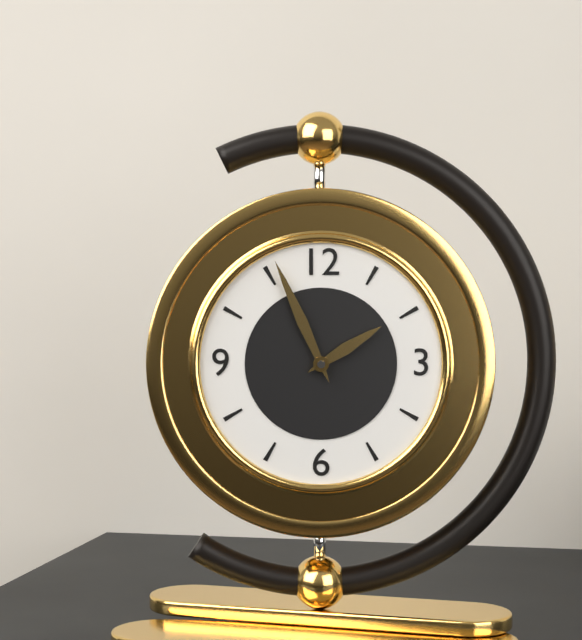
1:56
